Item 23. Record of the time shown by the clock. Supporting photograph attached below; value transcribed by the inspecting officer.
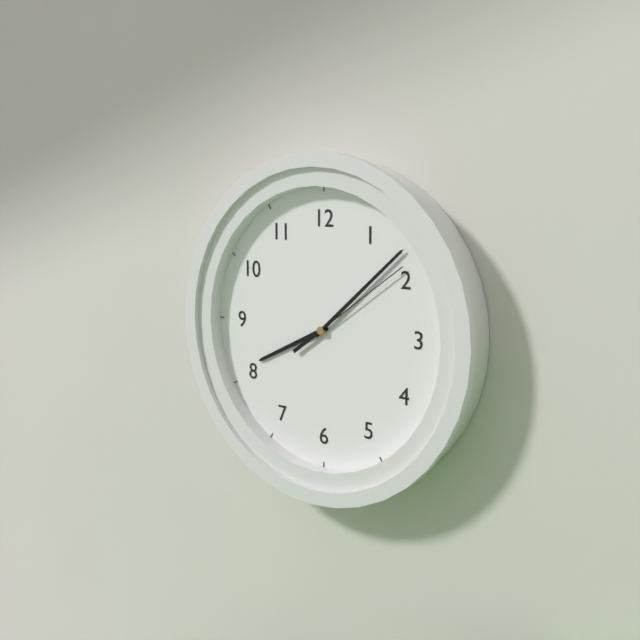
8:08:09
